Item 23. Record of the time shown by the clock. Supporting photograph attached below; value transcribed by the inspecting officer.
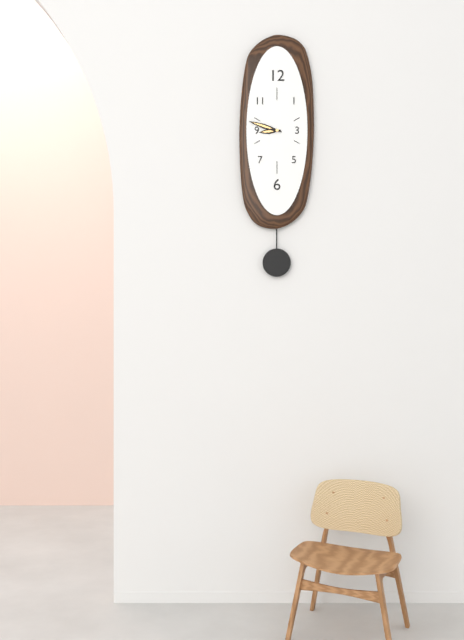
8:48
